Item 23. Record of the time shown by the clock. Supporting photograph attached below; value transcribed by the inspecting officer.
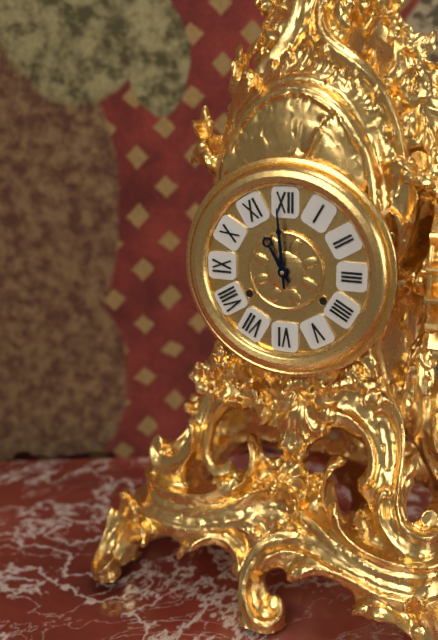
10:59
